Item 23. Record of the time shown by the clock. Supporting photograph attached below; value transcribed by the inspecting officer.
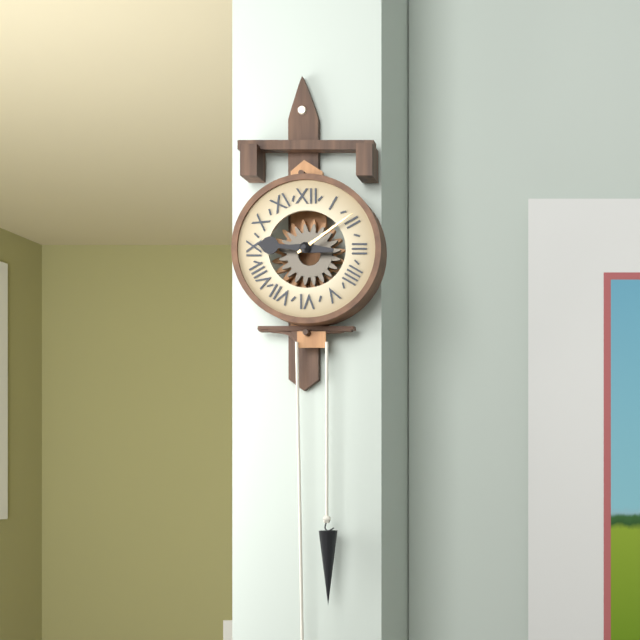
9:09
